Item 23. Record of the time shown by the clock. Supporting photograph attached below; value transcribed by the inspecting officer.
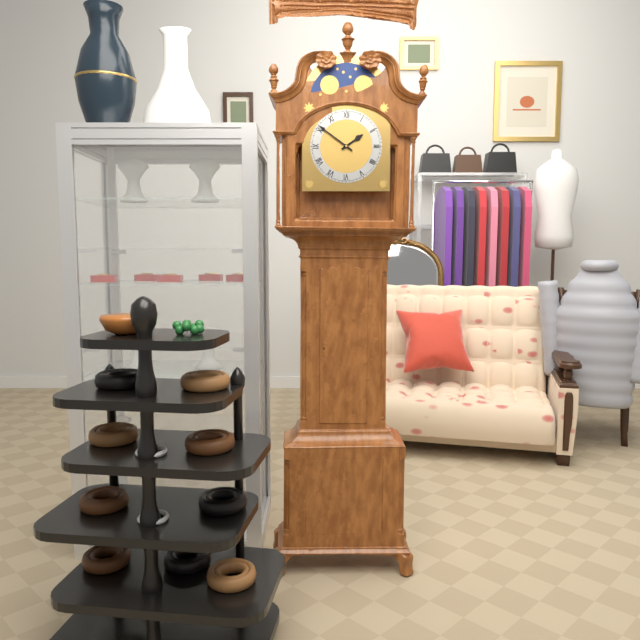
1:51
